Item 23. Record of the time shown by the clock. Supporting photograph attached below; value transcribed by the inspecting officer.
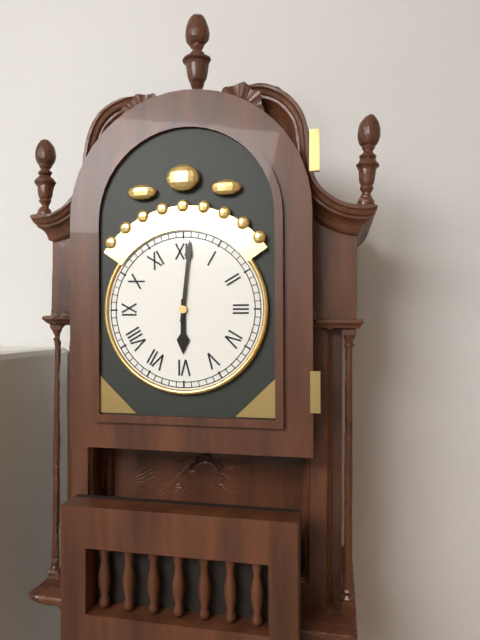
6:01
